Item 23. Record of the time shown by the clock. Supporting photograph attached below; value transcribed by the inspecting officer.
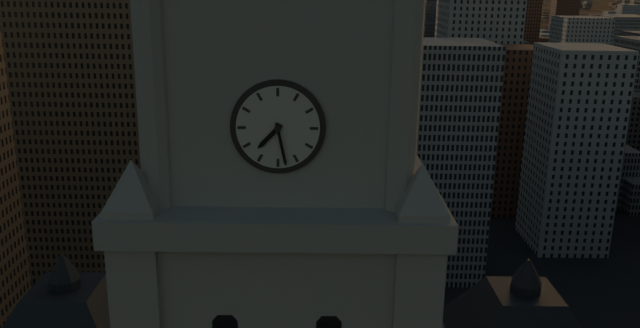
7:28
